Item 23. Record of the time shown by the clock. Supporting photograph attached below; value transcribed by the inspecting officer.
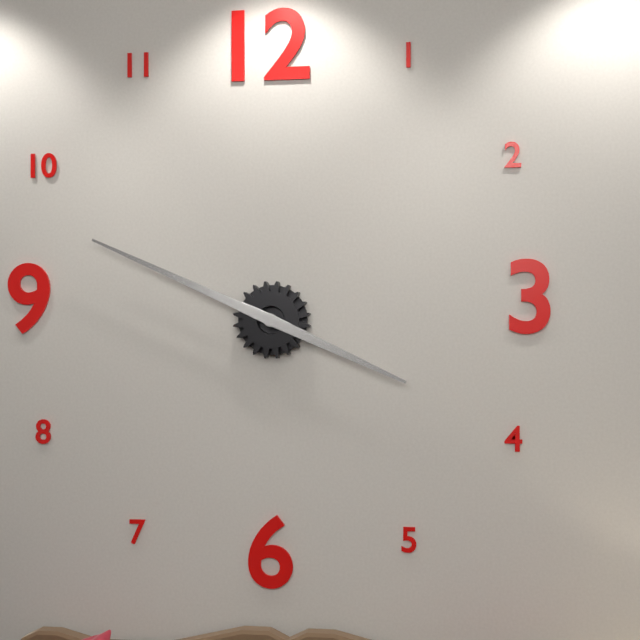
3:49
